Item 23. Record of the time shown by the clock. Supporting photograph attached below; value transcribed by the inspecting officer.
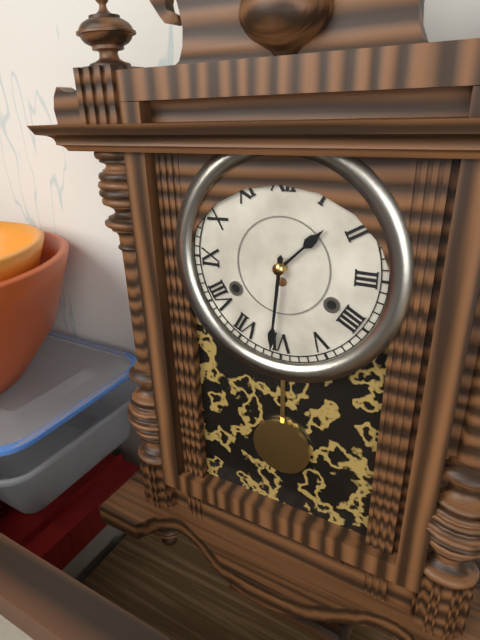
1:31
